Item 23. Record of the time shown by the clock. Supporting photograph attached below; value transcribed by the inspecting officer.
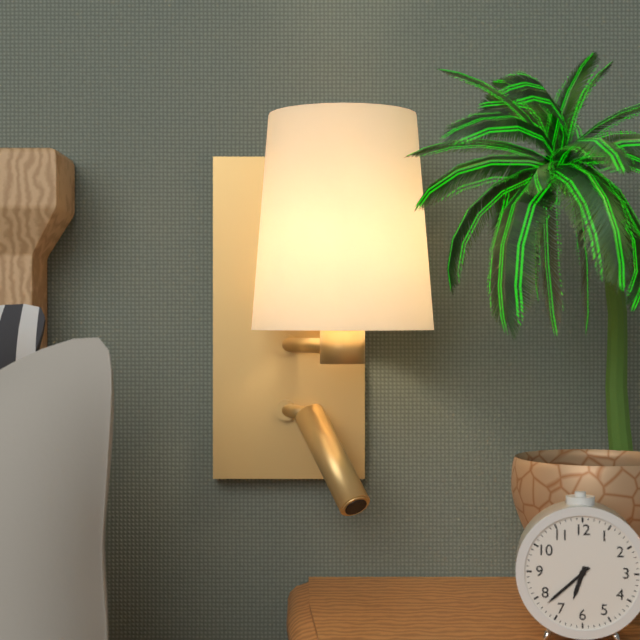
6:38
